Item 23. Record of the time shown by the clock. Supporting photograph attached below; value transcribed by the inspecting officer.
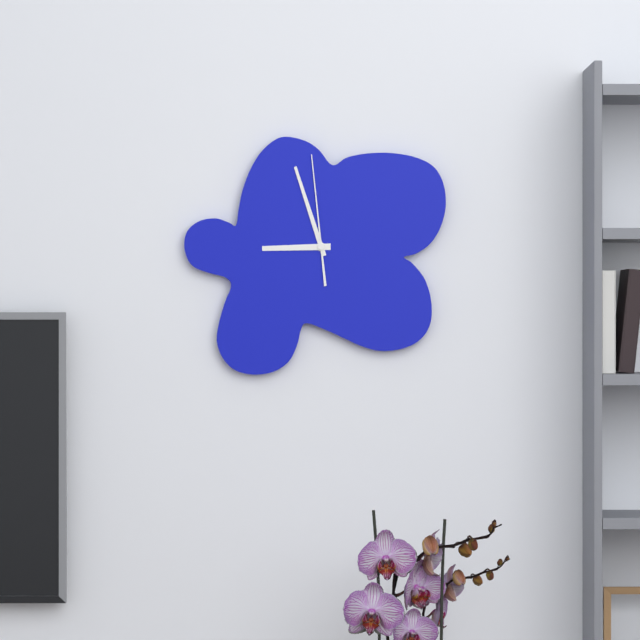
8:57:59
